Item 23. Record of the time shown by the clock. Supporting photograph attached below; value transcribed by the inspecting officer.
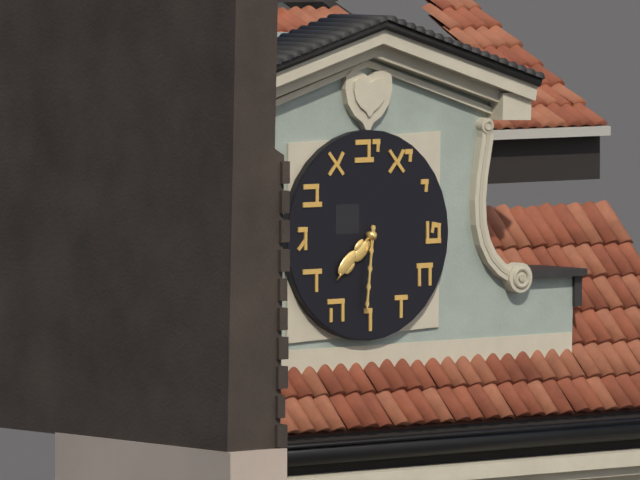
7:31
